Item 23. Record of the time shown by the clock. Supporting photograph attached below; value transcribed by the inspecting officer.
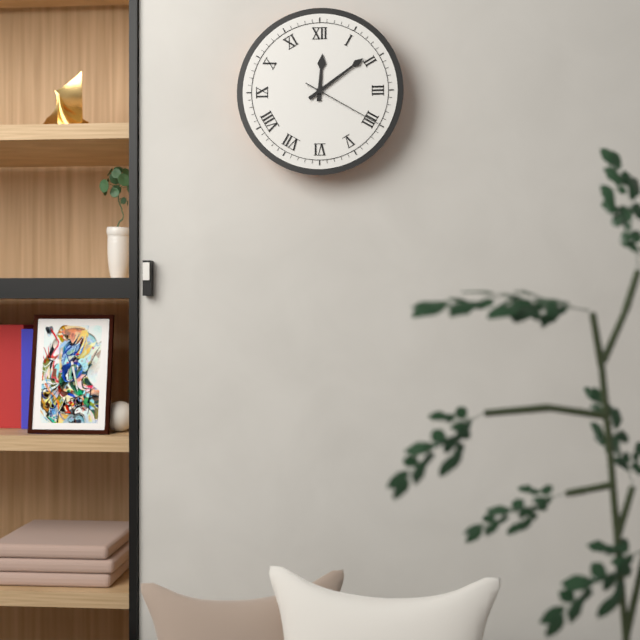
12:09:20
